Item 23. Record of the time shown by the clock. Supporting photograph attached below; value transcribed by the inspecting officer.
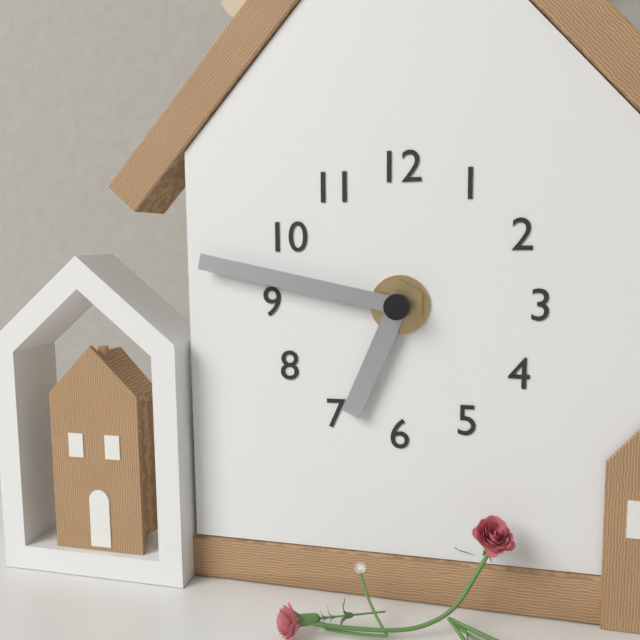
6:47
